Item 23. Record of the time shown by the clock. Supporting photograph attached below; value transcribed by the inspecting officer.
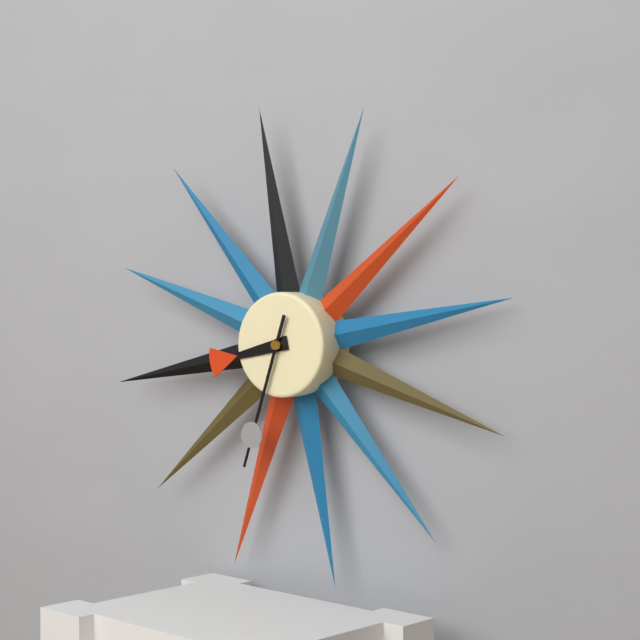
8:33
